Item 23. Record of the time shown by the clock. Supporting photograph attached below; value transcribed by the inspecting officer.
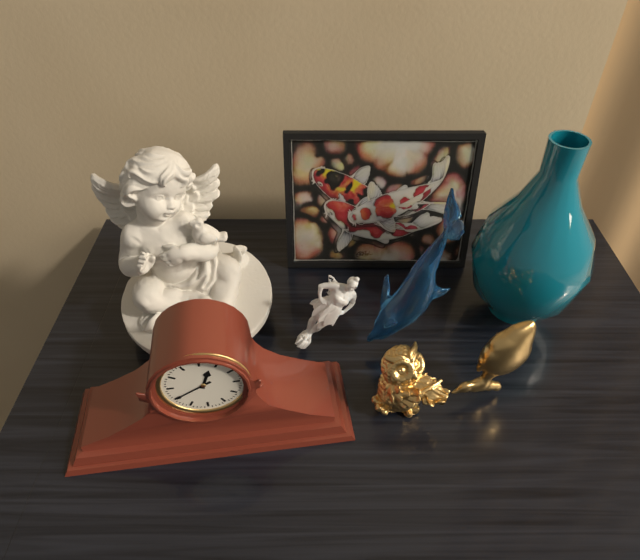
12:40
